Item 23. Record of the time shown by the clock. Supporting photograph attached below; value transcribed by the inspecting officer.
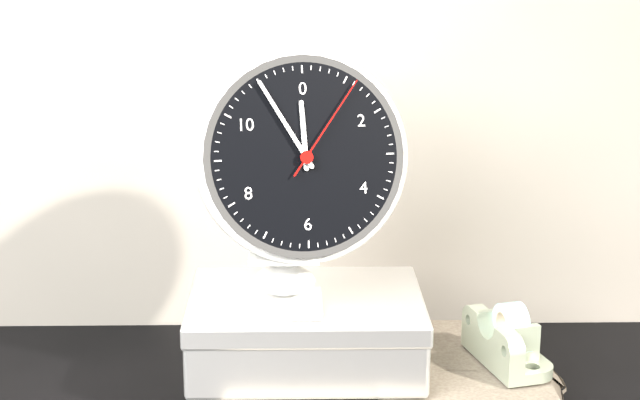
11:55:06
